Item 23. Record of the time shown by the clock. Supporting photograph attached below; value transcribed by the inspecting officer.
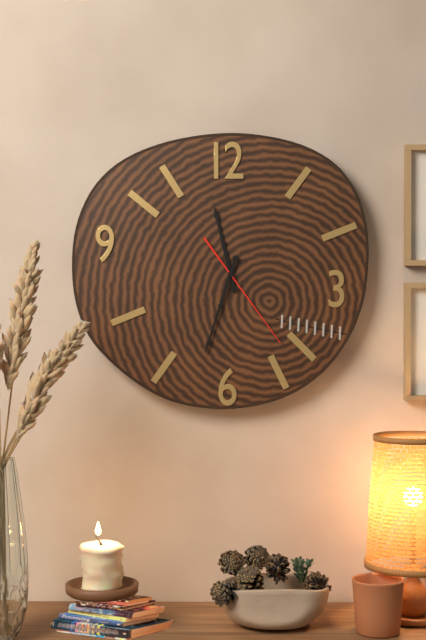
11:33:24
